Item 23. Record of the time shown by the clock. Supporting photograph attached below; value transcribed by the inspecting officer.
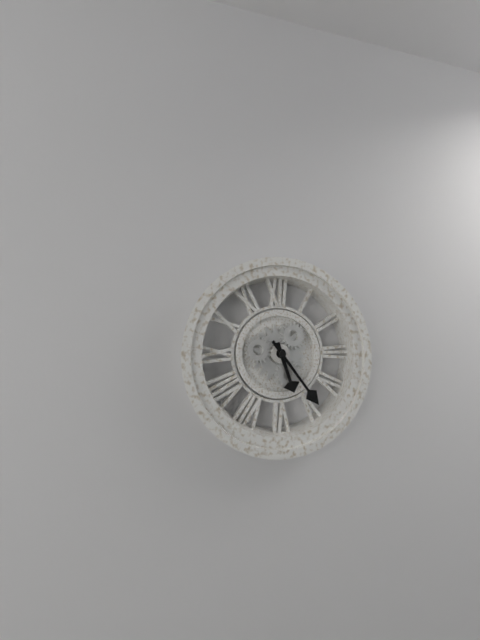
5:24
